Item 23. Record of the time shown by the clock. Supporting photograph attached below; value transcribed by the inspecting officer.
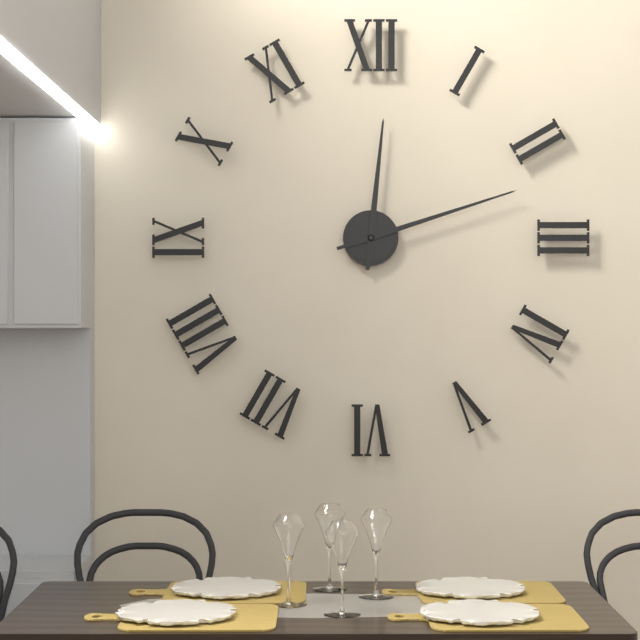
12:12
